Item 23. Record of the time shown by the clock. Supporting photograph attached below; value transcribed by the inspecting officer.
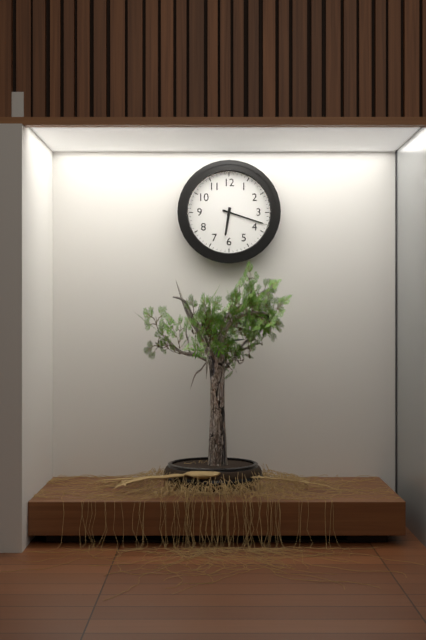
6:18
